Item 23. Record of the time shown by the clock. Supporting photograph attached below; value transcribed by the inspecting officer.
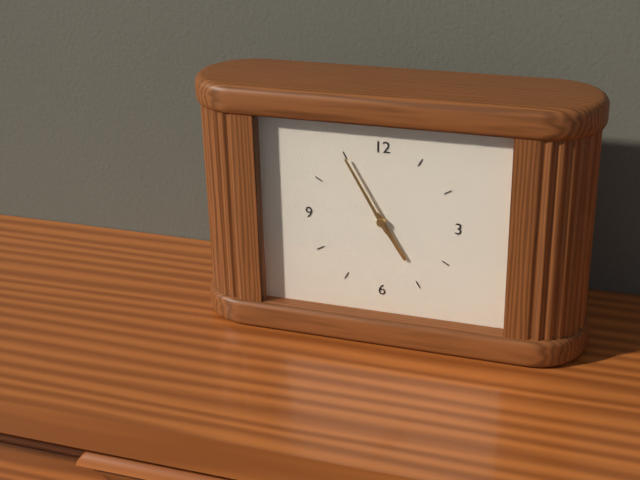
4:55
